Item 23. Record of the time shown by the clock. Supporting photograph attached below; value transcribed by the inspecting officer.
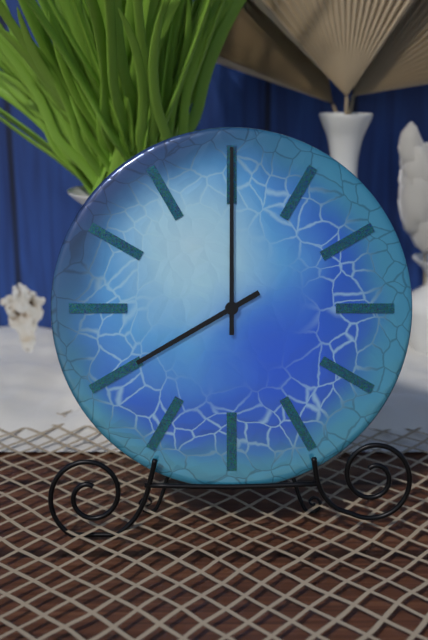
8:00
